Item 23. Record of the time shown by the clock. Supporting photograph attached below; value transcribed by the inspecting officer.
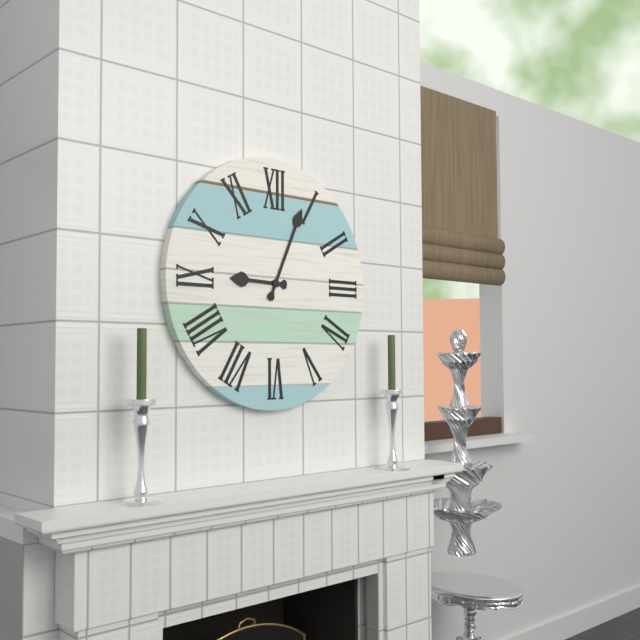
9:04
